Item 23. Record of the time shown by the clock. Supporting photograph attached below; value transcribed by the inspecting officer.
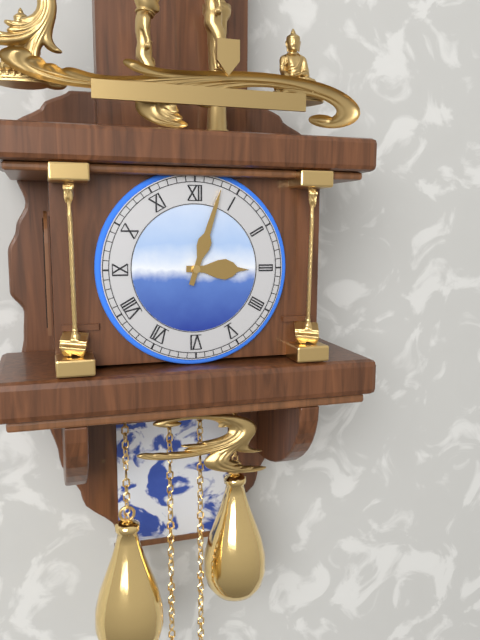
3:03
